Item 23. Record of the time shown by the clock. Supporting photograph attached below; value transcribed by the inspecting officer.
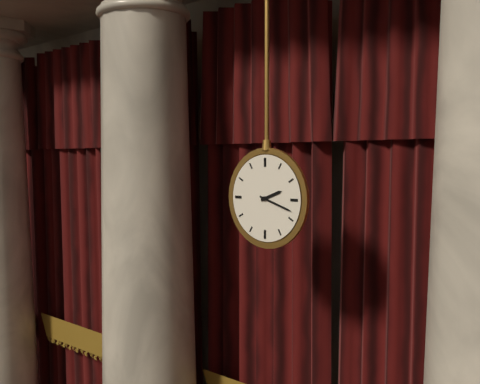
2:18
